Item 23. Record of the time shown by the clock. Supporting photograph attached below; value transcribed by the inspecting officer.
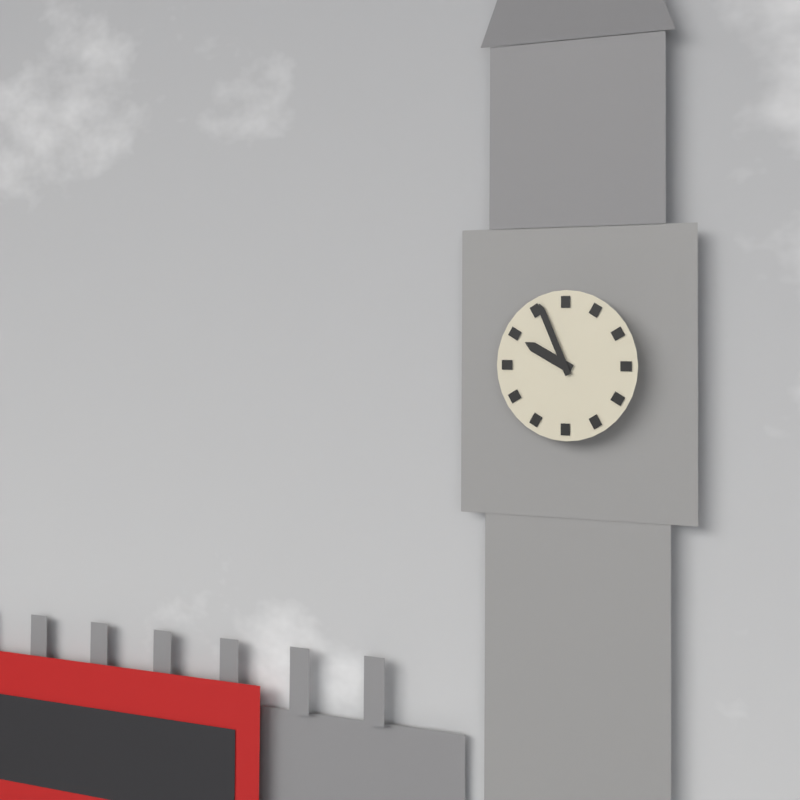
9:56
